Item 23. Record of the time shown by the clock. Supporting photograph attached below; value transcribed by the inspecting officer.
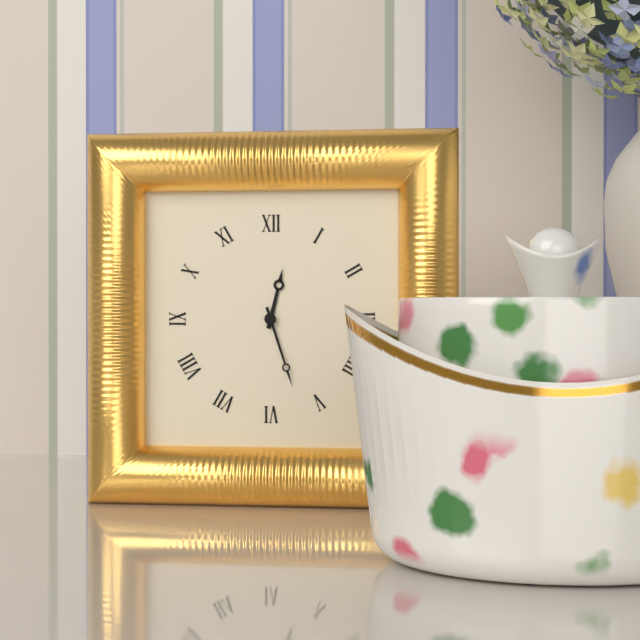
12:27
